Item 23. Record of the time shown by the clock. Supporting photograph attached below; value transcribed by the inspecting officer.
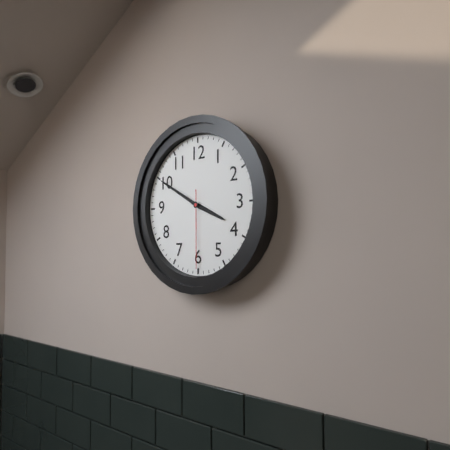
3:50:30
